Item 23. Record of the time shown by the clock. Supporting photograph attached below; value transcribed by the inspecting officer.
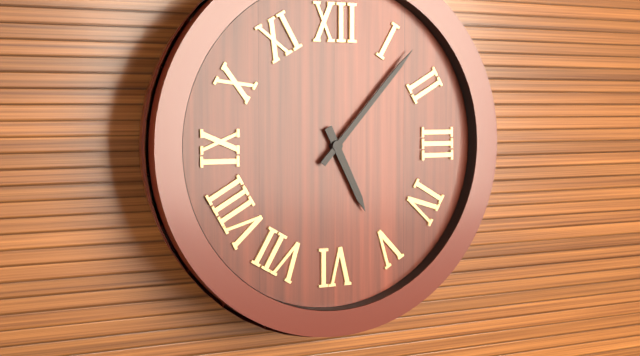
5:07
